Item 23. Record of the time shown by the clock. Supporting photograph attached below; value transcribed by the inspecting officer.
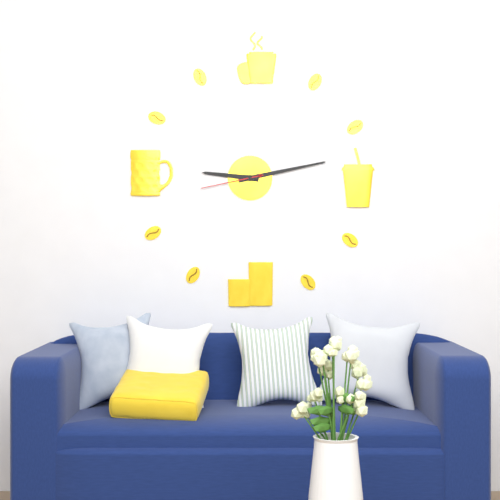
9:13:43
